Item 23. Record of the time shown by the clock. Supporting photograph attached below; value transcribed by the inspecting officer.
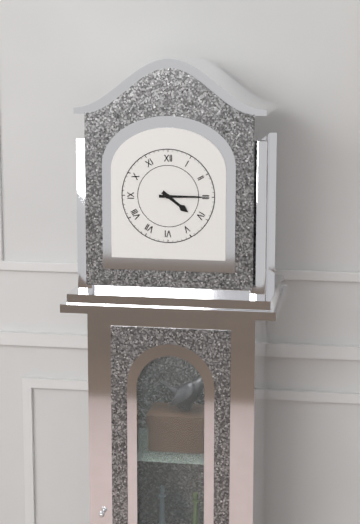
4:15
